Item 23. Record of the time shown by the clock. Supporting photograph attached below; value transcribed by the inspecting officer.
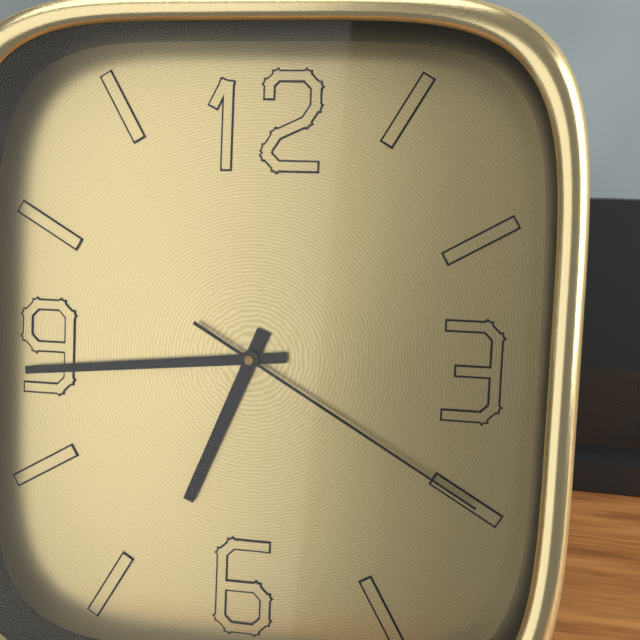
6:44:20
